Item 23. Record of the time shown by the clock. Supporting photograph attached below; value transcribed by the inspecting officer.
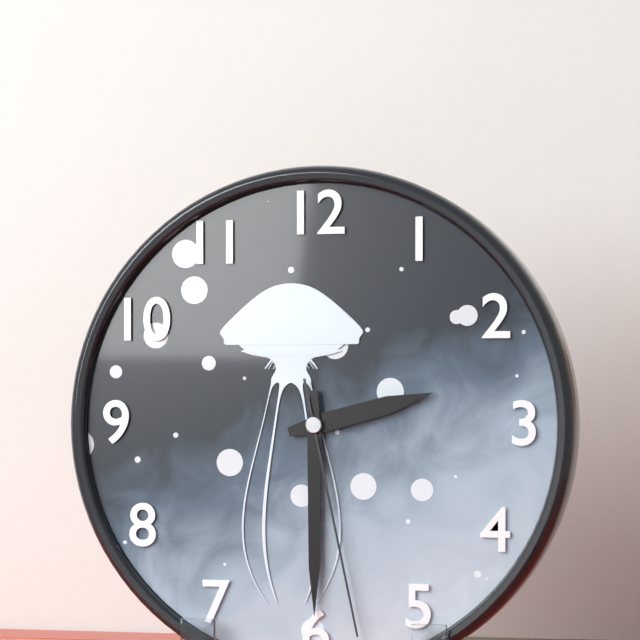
2:30:28
